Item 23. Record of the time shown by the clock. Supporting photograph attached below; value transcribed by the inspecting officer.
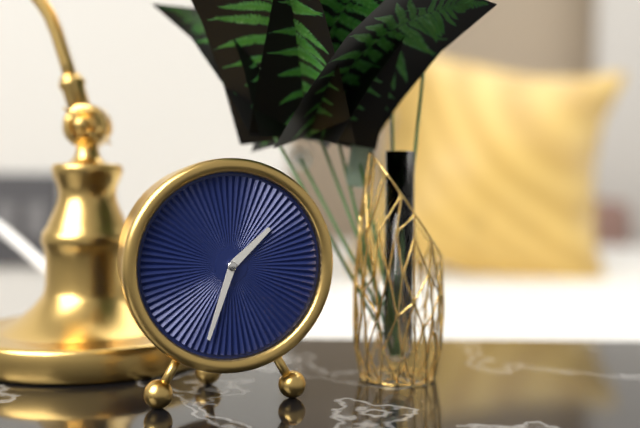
1:33
